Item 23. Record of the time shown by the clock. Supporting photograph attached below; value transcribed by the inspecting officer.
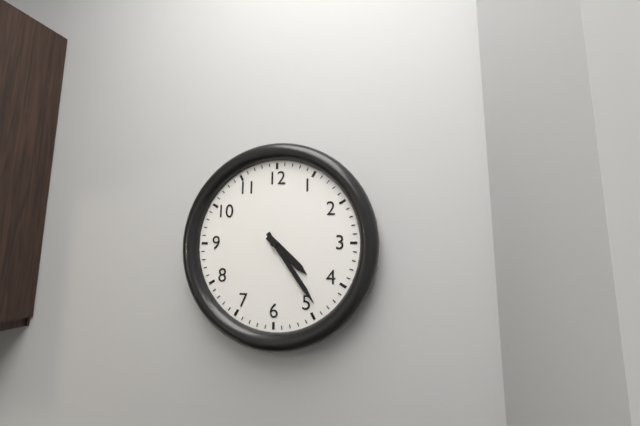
4:24
